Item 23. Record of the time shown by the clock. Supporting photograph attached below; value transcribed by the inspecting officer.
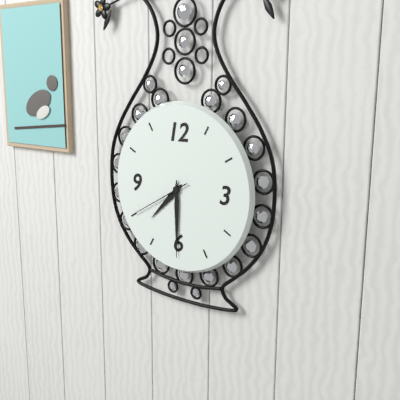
7:30:40
